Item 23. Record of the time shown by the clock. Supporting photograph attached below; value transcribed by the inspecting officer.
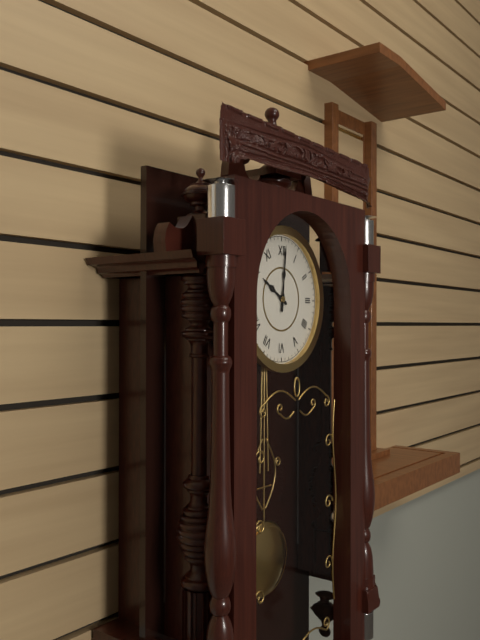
10:01
